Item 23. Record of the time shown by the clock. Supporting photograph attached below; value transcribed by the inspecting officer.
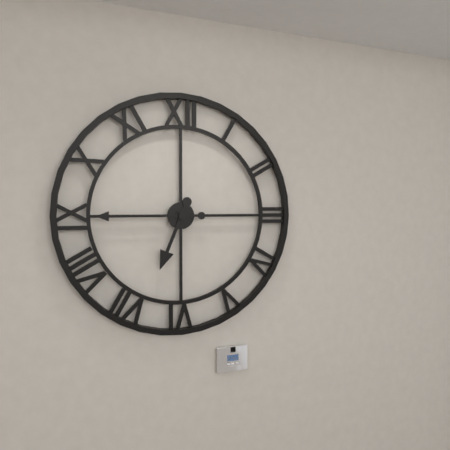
6:45
